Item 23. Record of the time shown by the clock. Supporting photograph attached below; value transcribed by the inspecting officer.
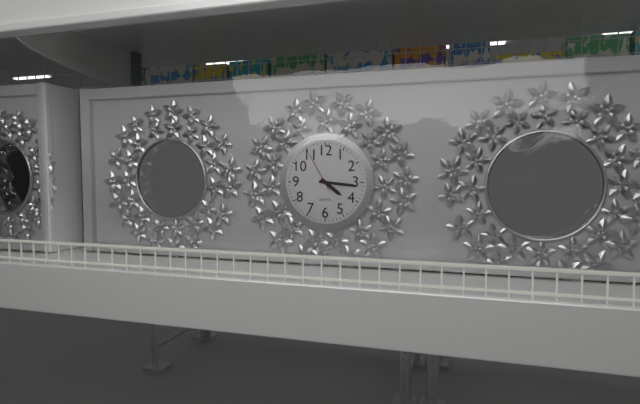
4:16
